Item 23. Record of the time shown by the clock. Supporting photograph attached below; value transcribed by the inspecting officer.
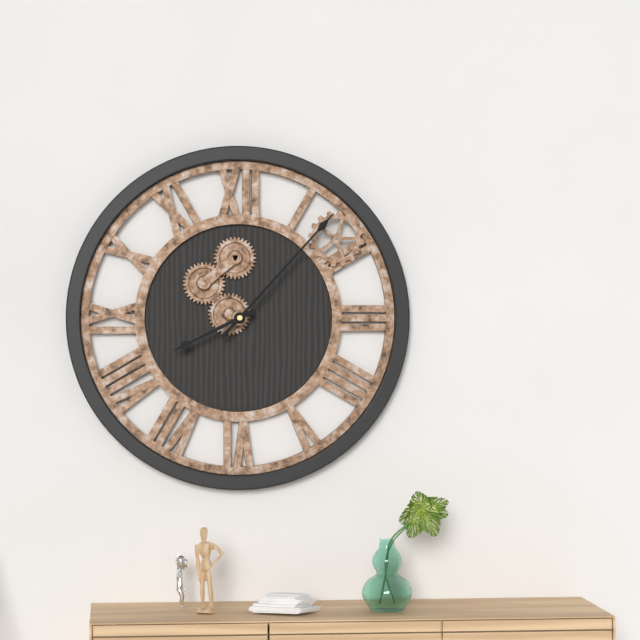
8:07
